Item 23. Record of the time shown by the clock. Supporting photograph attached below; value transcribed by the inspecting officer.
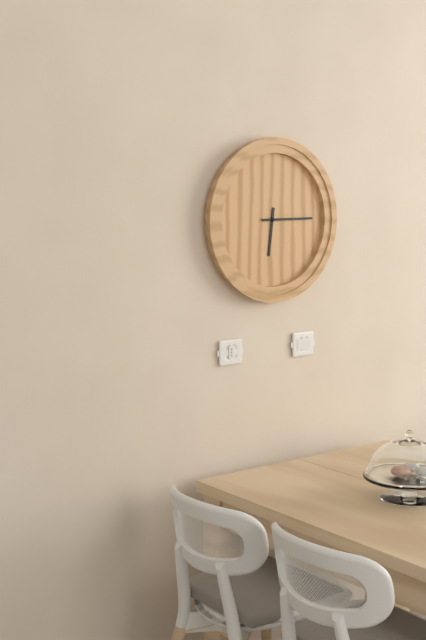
6:15
